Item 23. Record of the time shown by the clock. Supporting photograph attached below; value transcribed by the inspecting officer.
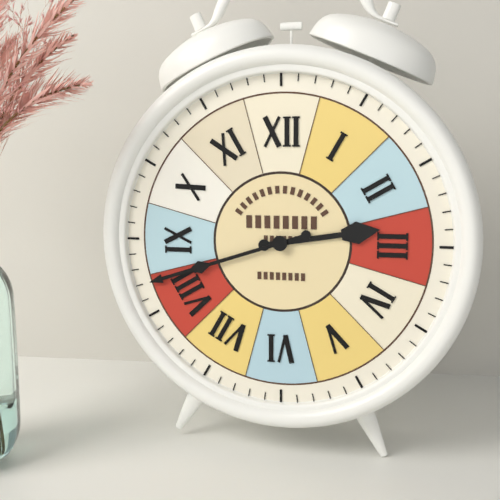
2:42
